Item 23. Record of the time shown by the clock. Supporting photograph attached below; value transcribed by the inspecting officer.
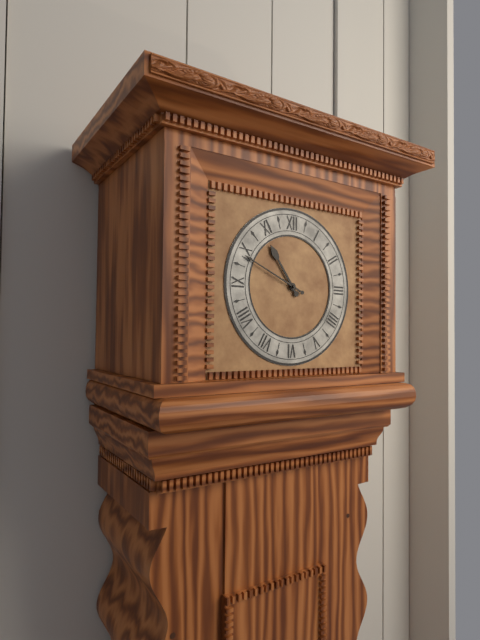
10:49
